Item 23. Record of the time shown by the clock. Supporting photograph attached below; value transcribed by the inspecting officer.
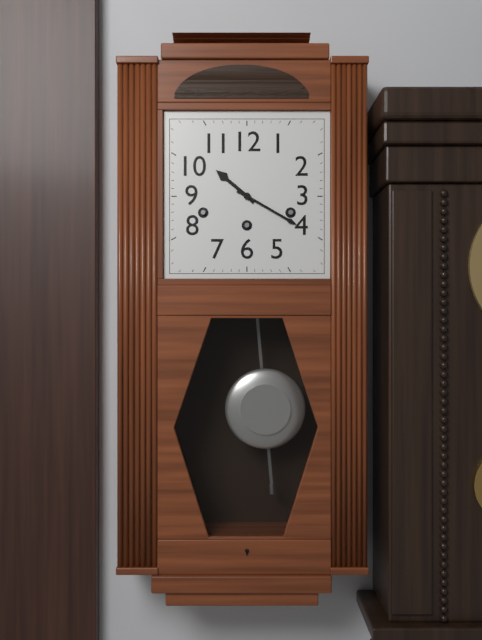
10:20
